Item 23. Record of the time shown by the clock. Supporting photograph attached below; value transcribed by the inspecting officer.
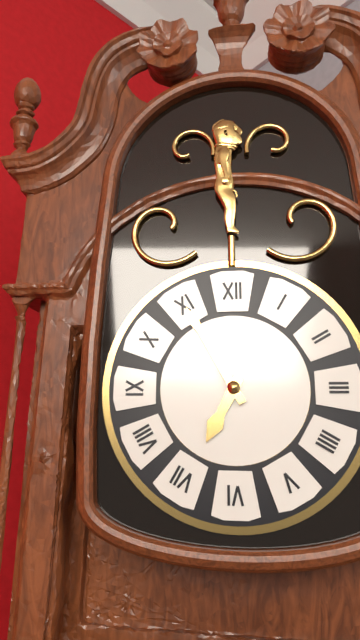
6:55
